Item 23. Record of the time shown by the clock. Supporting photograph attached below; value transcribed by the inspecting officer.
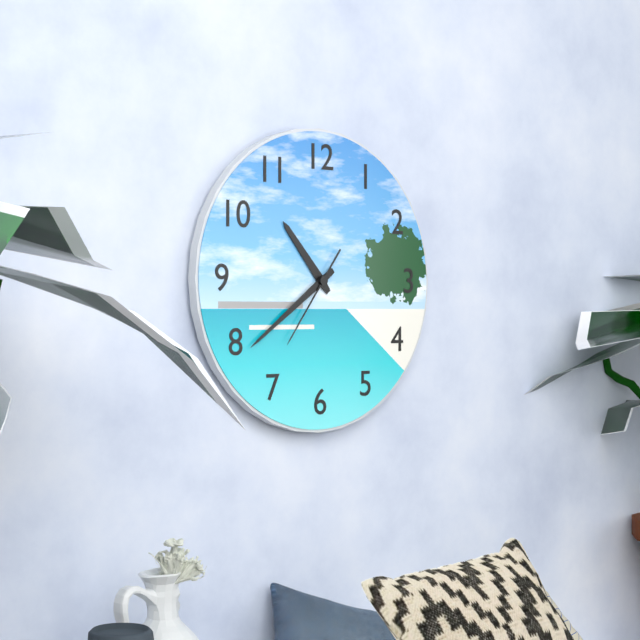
10:39:36
